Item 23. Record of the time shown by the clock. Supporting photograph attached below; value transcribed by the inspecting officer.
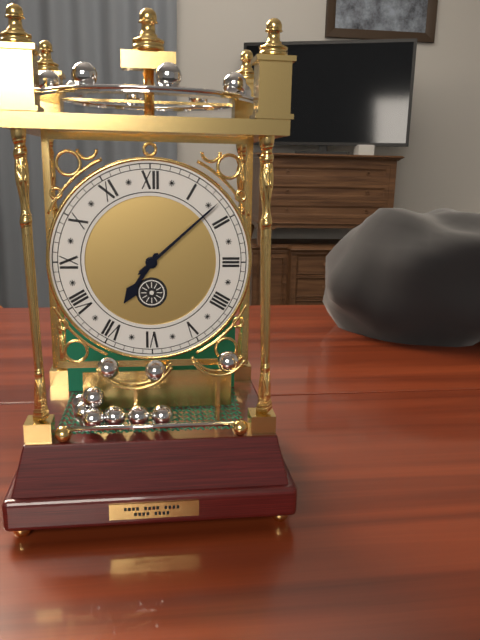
7:08
